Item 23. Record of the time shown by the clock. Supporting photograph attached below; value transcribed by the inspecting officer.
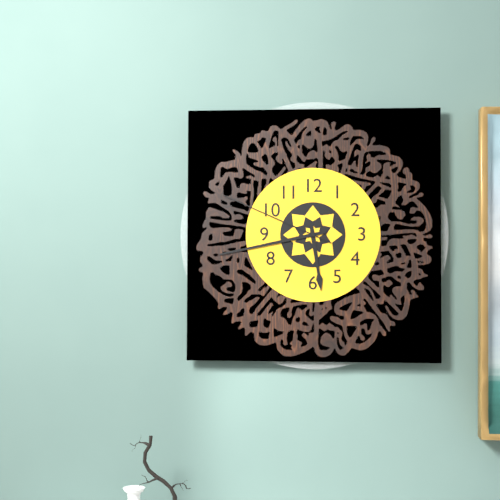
5:43:49
